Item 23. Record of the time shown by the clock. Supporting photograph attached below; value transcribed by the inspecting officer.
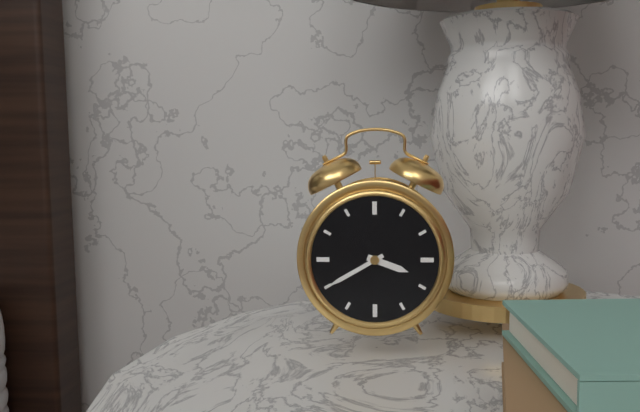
3:40
